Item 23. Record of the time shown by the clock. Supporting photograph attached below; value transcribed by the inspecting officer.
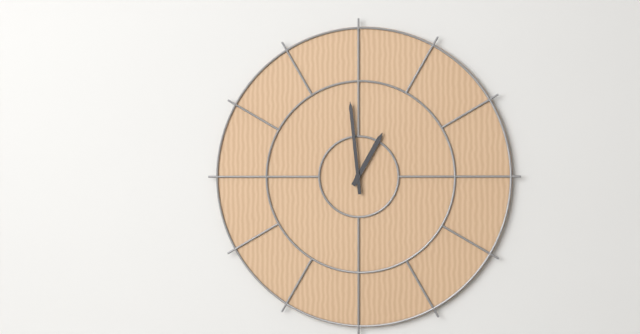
12:59
